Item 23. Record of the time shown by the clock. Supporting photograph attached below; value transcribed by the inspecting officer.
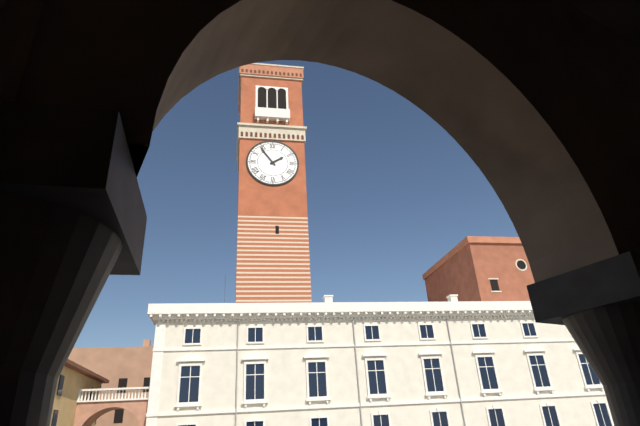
1:54
